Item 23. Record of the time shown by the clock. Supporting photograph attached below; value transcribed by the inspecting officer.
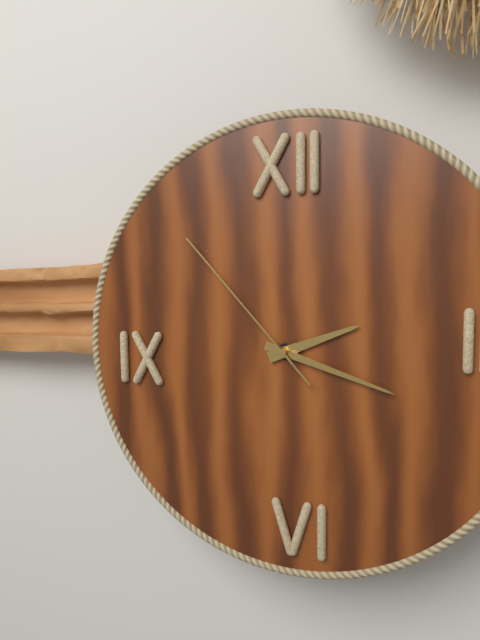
2:18:53
